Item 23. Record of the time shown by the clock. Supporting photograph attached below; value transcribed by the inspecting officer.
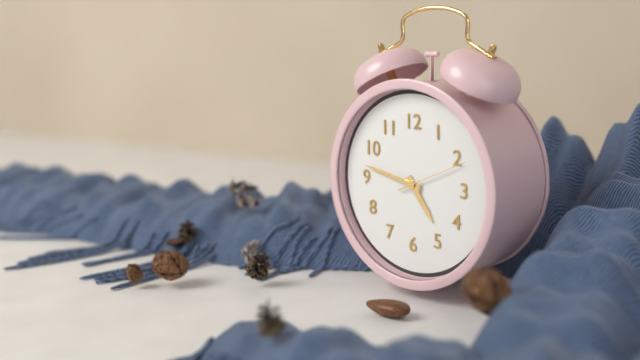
4:47:11
